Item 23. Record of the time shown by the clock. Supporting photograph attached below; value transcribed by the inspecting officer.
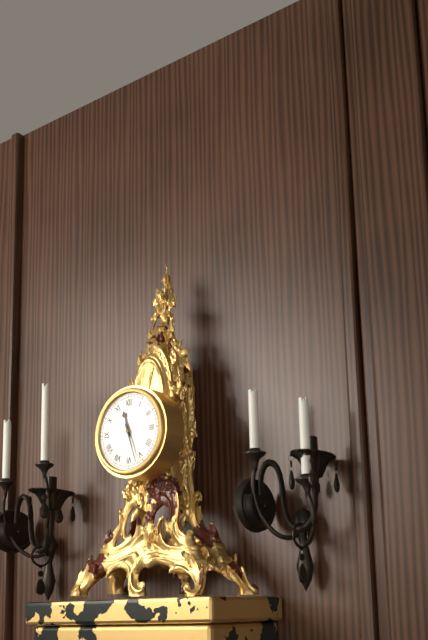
11:27
